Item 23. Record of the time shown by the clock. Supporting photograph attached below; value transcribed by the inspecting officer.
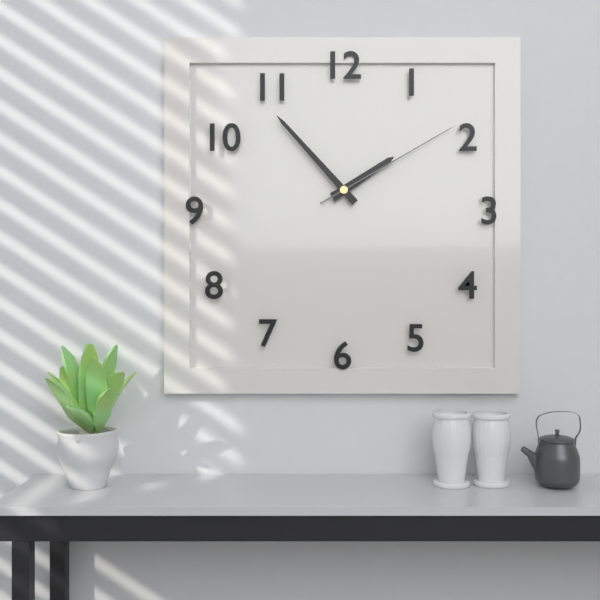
1:53:10
